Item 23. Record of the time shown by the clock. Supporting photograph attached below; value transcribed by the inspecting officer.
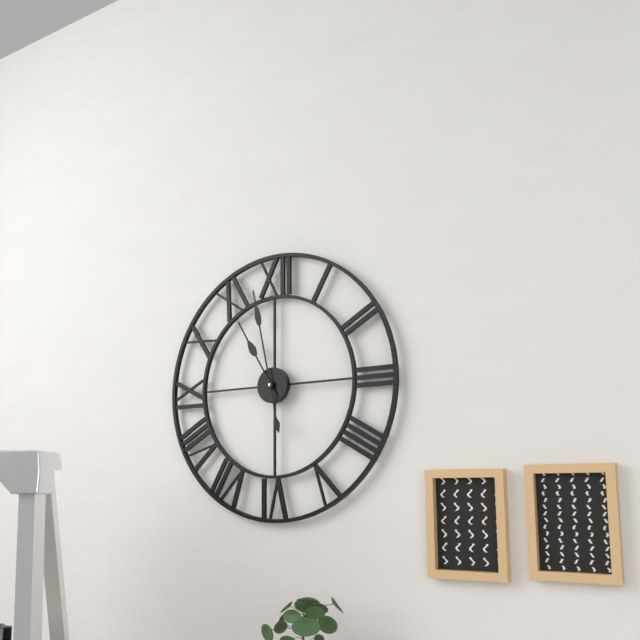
10:58
